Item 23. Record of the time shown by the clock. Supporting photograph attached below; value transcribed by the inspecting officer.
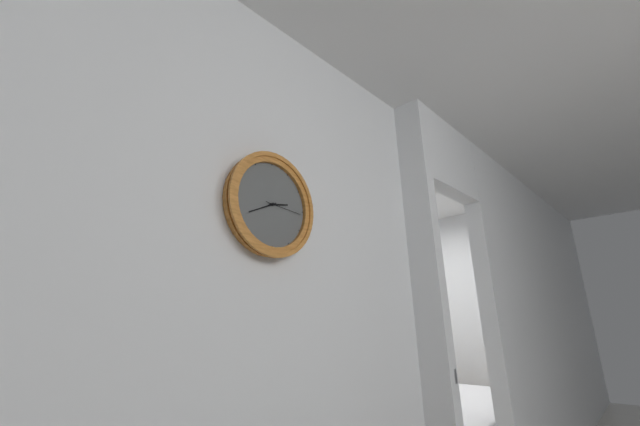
2:41
